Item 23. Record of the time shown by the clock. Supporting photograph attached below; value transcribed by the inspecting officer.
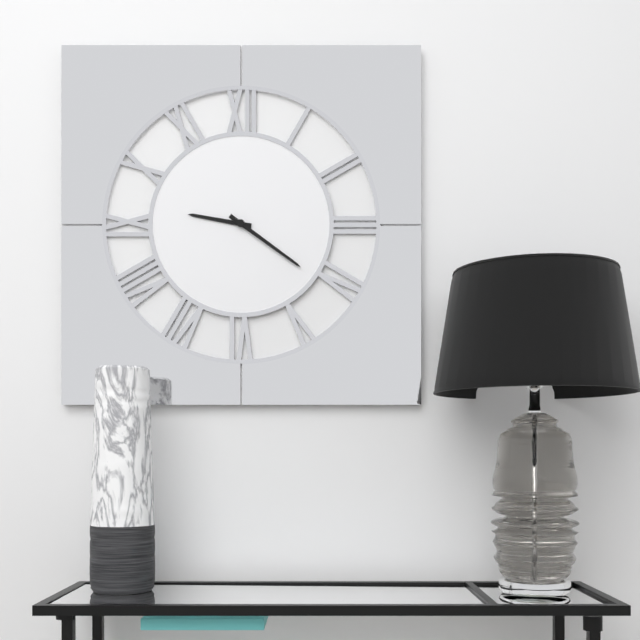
9:21
